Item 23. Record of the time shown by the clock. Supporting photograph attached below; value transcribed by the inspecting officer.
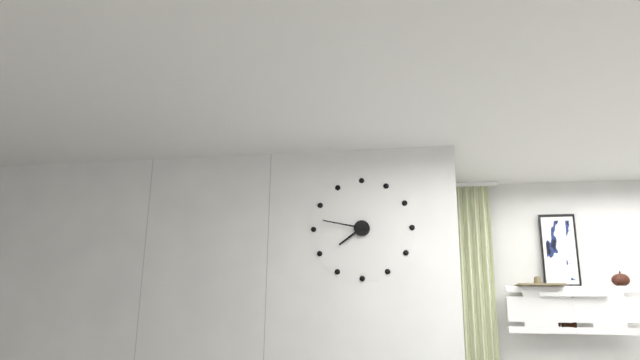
7:47
